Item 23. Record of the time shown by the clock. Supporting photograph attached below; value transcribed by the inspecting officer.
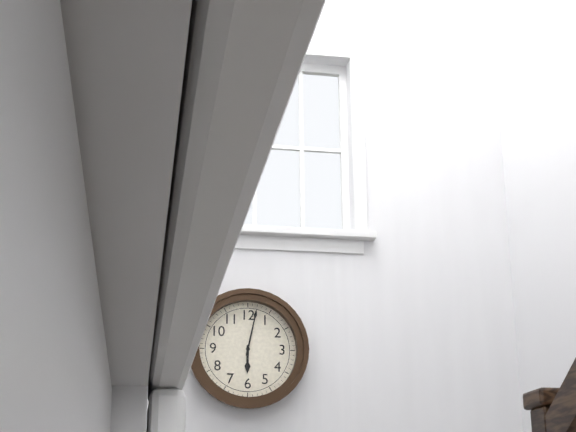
6:02
